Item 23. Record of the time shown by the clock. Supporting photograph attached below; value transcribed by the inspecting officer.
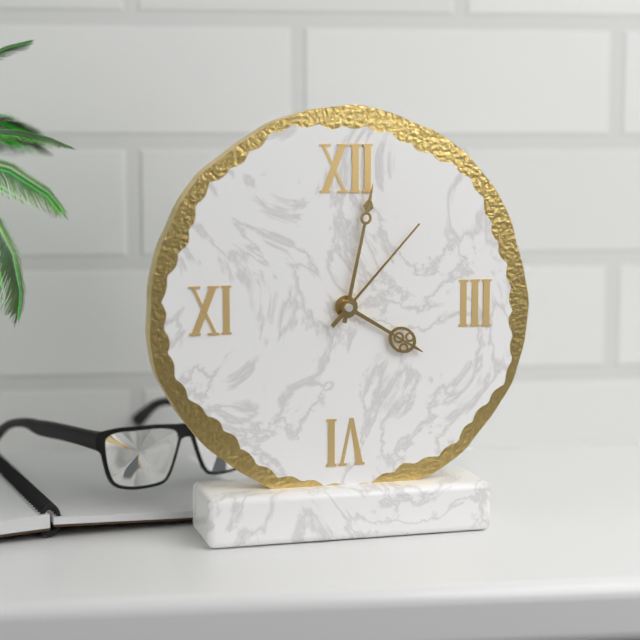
4:02:07
